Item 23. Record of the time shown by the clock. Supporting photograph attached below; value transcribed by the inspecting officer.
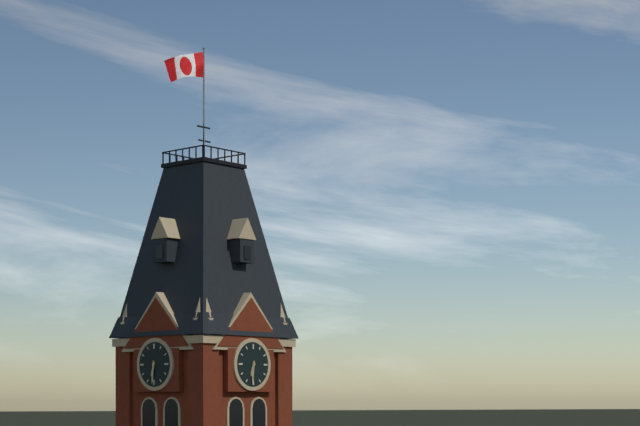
6:31
